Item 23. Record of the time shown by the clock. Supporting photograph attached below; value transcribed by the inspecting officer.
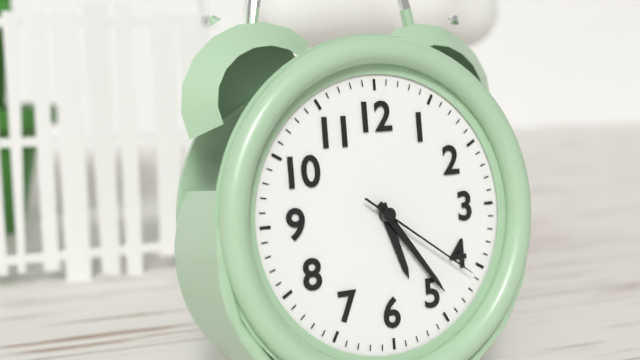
5:24:21
